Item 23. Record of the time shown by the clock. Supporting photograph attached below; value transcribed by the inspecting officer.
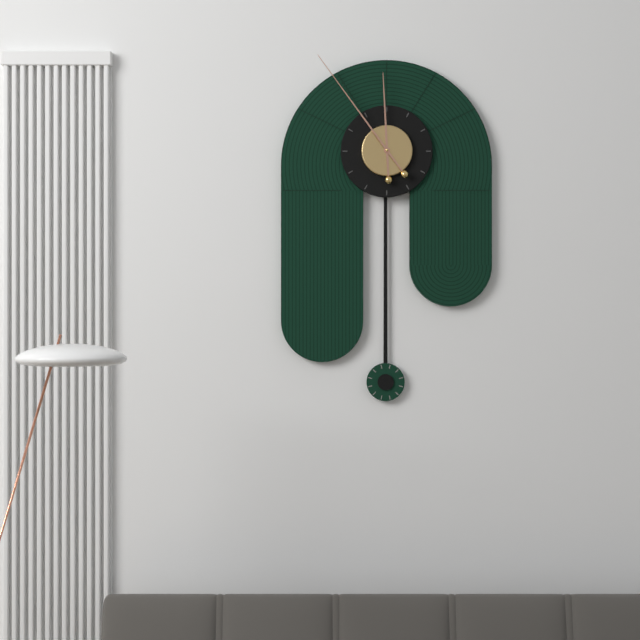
11:54
